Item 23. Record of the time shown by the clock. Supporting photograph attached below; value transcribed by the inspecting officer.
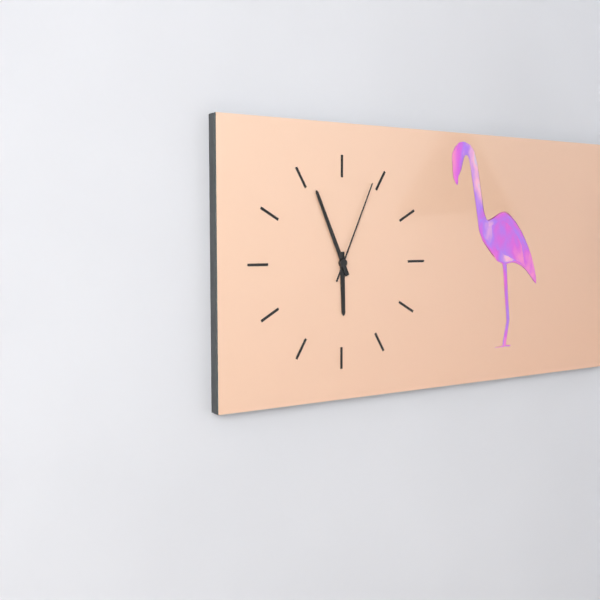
5:56:04
